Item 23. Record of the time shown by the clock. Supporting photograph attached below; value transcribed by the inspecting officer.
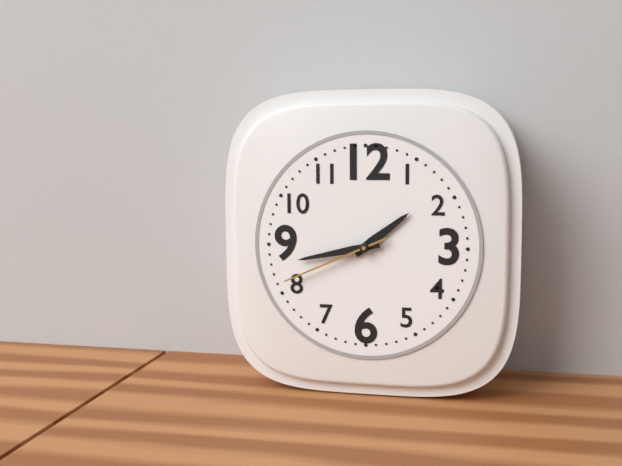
1:43:41
